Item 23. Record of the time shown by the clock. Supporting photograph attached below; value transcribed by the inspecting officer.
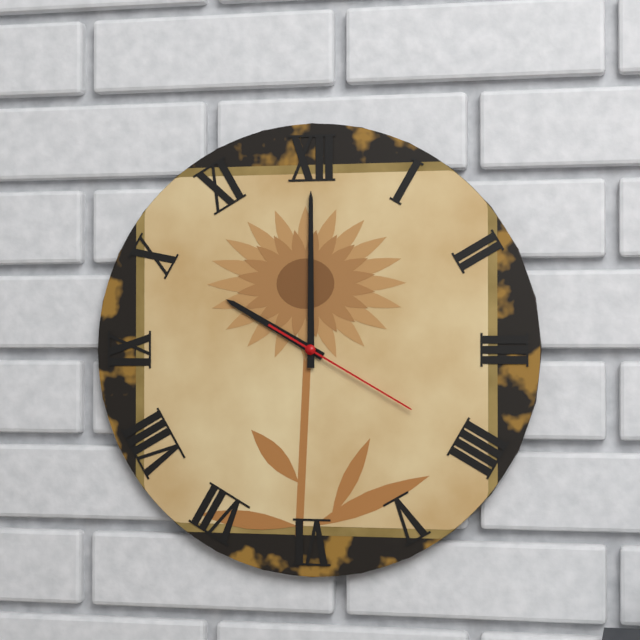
10:00:20
